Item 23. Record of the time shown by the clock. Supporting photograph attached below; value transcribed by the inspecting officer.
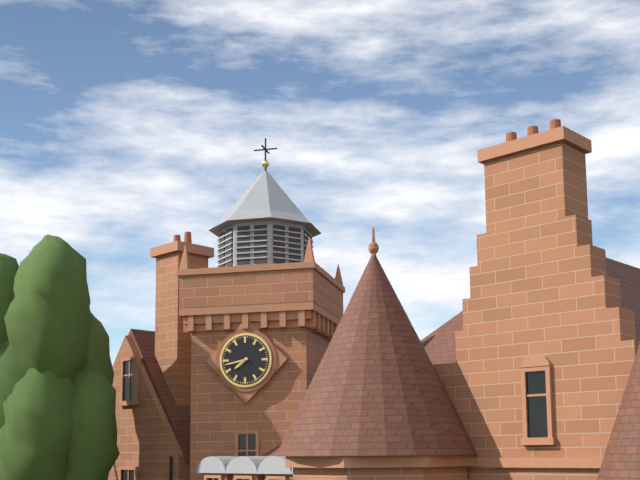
7:43
